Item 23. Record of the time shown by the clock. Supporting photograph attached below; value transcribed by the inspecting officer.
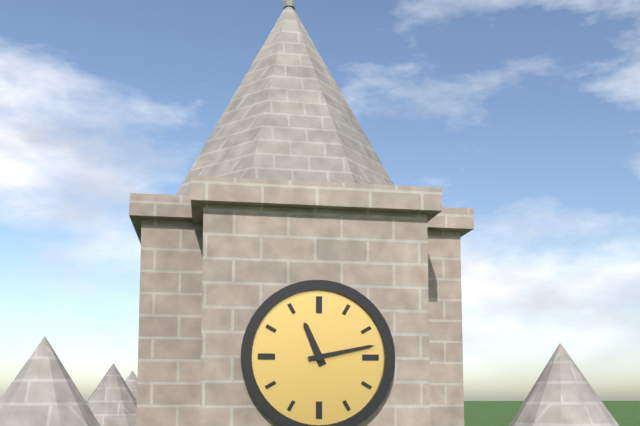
11:13
